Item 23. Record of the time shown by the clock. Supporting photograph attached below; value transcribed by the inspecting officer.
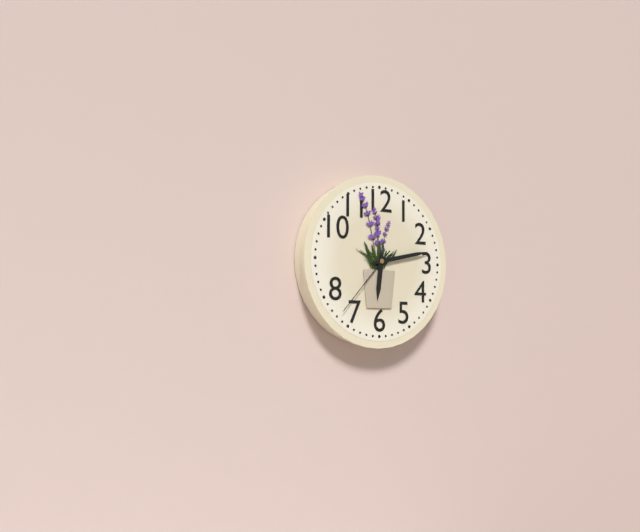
6:13:37
